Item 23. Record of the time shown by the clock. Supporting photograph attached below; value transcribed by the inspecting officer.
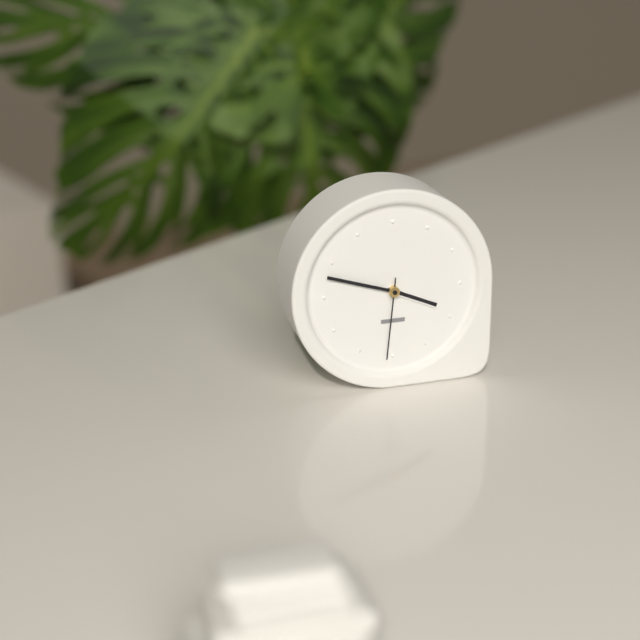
3:48:31
